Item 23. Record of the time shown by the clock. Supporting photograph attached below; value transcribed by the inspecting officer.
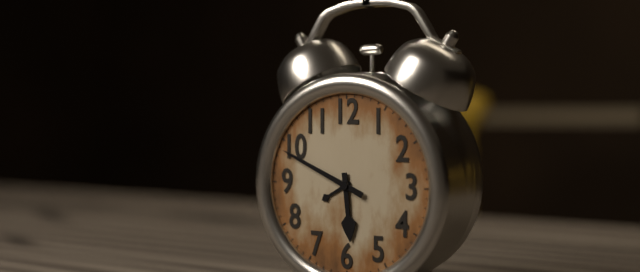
5:49
